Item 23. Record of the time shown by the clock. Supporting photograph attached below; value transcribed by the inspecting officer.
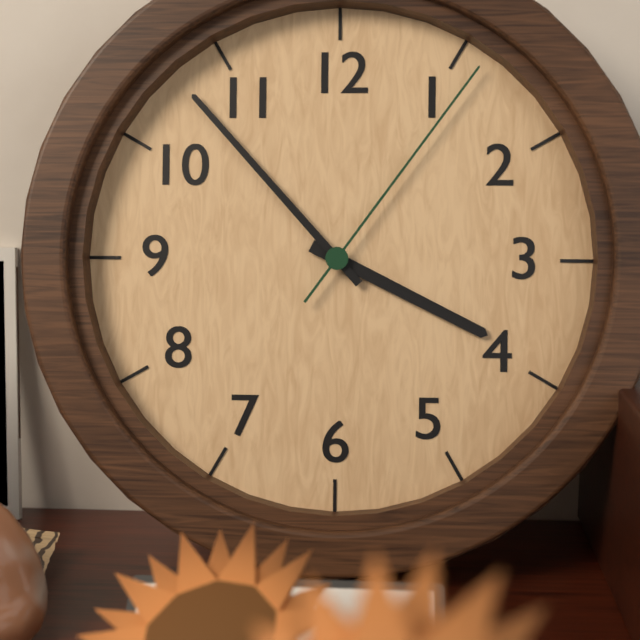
3:53:06
